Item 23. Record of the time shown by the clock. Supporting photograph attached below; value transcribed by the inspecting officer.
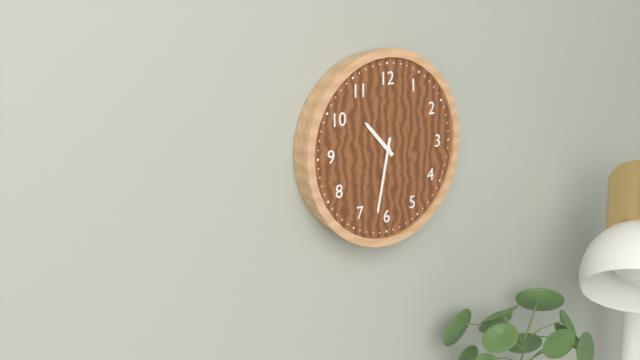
10:32
